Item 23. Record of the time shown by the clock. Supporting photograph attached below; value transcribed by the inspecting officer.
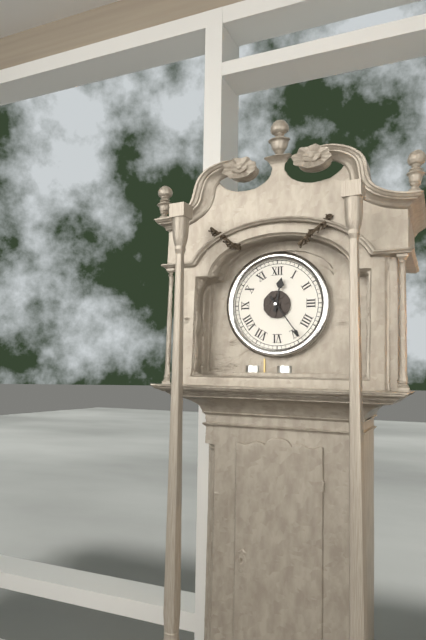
12:24
